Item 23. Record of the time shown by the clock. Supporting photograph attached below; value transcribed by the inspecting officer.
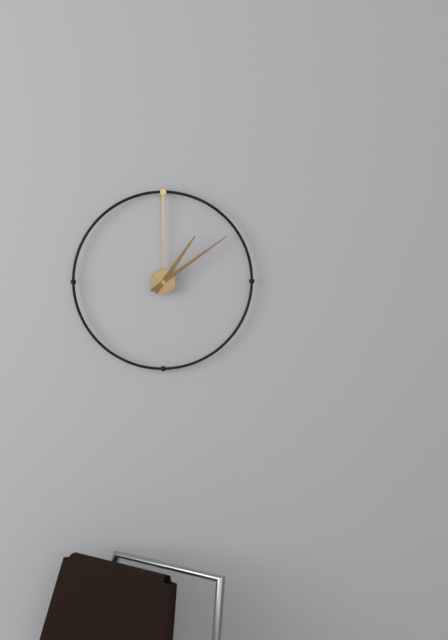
1:09
